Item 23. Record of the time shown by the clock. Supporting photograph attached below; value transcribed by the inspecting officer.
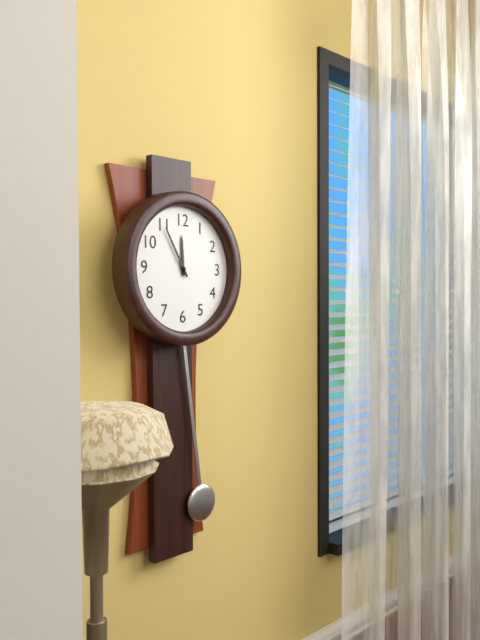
11:55
